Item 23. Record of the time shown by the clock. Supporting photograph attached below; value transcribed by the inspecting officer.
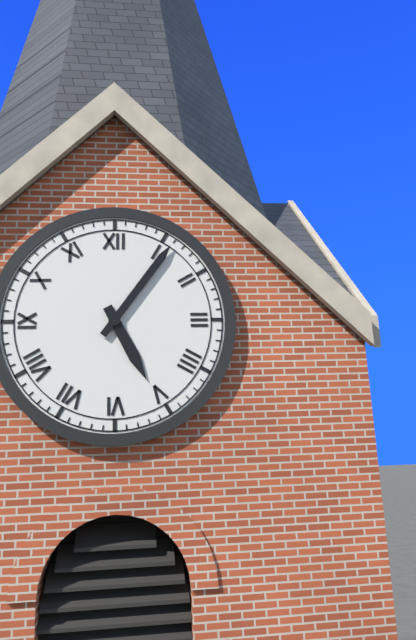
5:06
